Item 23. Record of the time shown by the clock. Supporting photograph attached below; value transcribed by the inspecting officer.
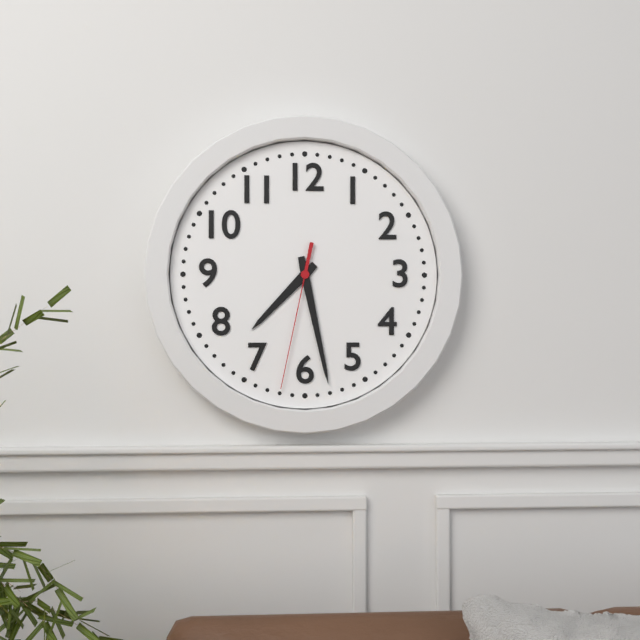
7:28:32
